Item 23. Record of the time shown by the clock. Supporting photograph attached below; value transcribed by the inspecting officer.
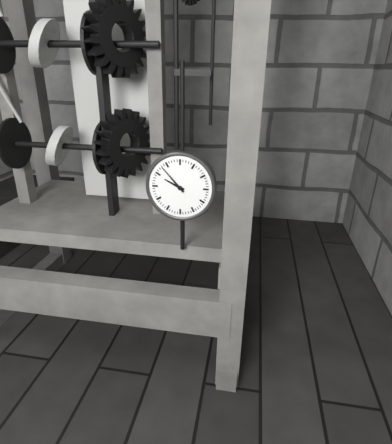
9:53
